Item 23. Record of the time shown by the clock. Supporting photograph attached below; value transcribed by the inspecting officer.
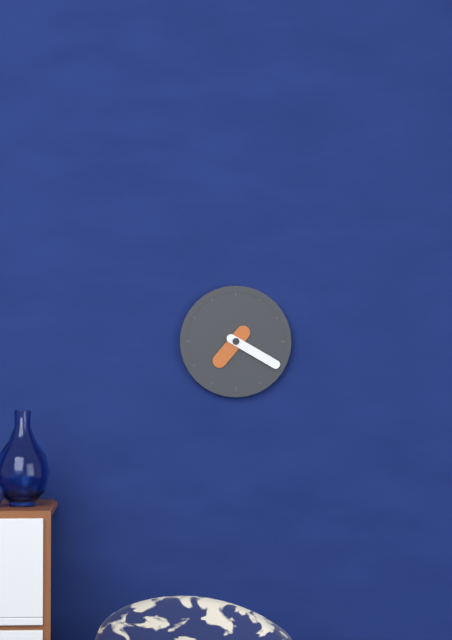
7:20
